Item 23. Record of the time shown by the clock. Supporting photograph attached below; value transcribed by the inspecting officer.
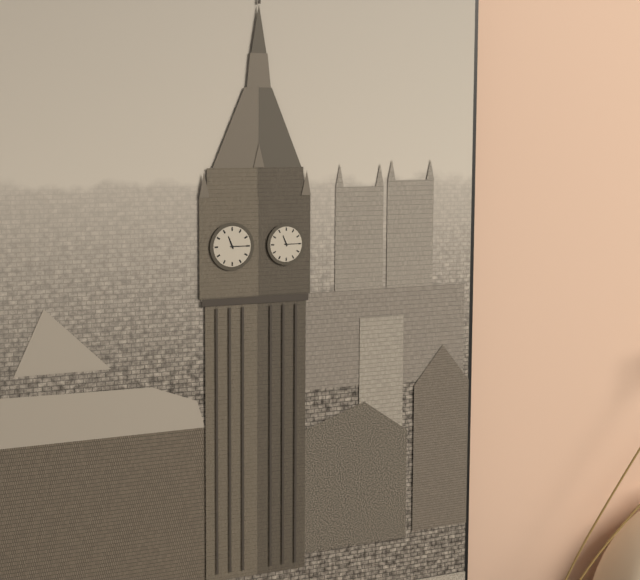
11:15
